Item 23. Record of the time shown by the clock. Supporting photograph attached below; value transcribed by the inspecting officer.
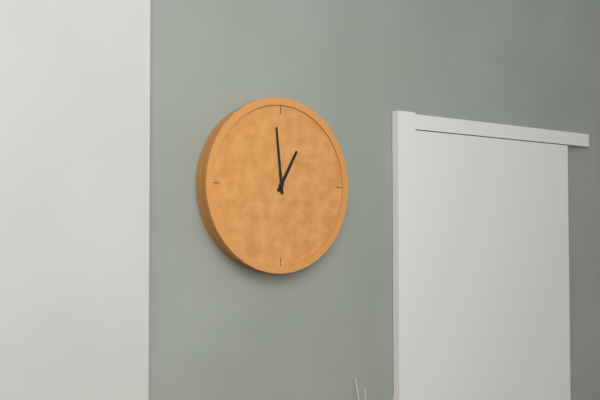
12:59
